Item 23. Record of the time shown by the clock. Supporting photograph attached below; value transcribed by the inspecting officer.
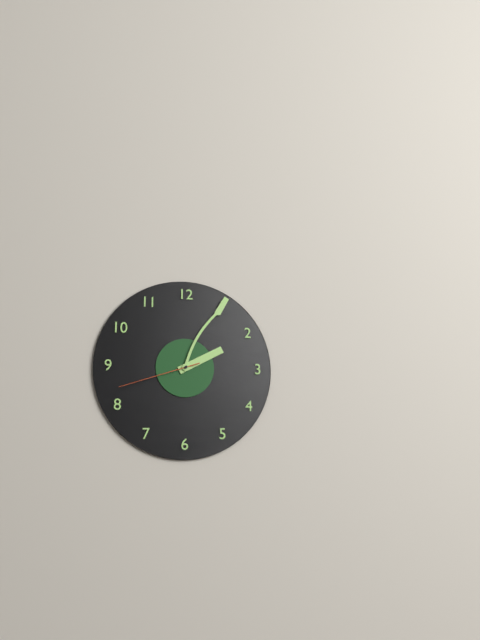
2:05:42
